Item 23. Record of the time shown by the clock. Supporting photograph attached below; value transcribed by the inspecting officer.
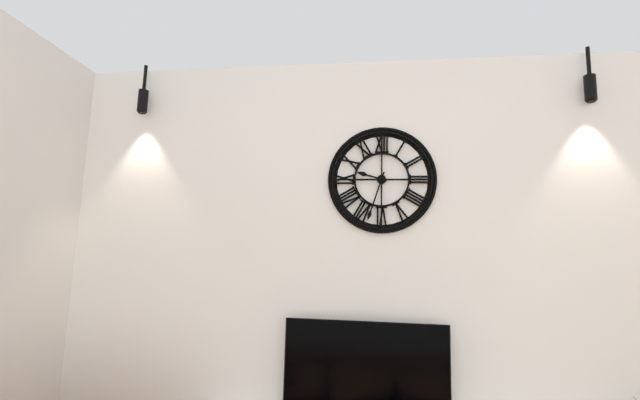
9:33
